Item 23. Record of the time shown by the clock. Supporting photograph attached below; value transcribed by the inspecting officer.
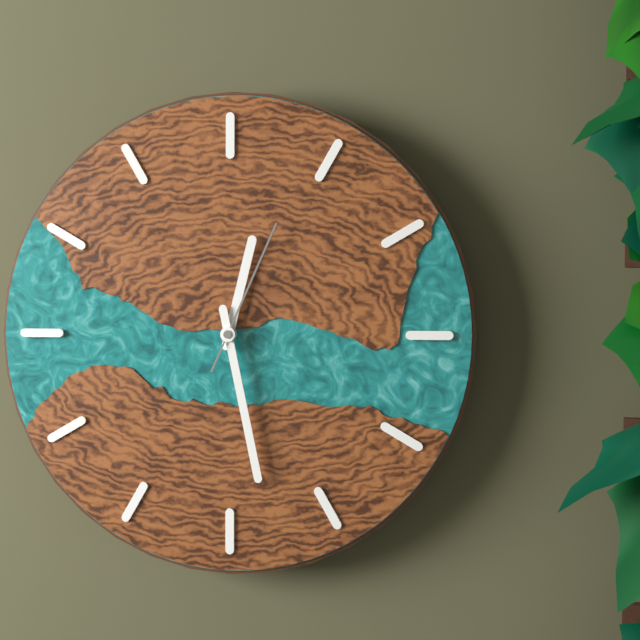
12:28:04
